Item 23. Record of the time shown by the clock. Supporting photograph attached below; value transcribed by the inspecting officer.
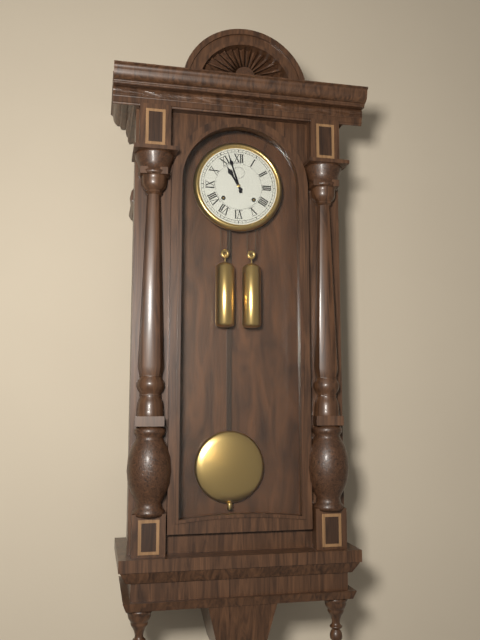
10:57
